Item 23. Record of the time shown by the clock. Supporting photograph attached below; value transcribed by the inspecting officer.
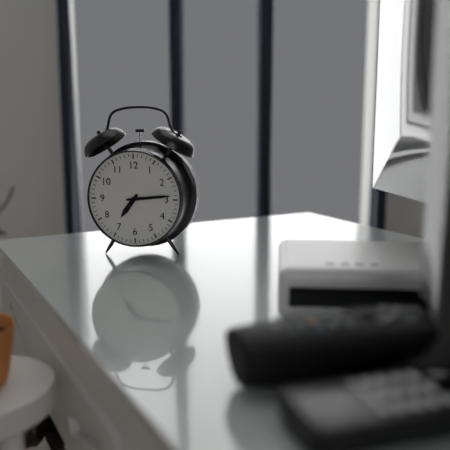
7:14
